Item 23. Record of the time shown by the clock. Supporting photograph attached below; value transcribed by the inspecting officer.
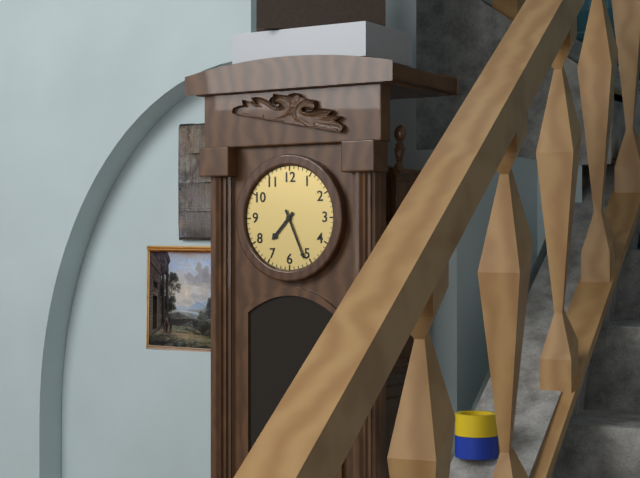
7:26
